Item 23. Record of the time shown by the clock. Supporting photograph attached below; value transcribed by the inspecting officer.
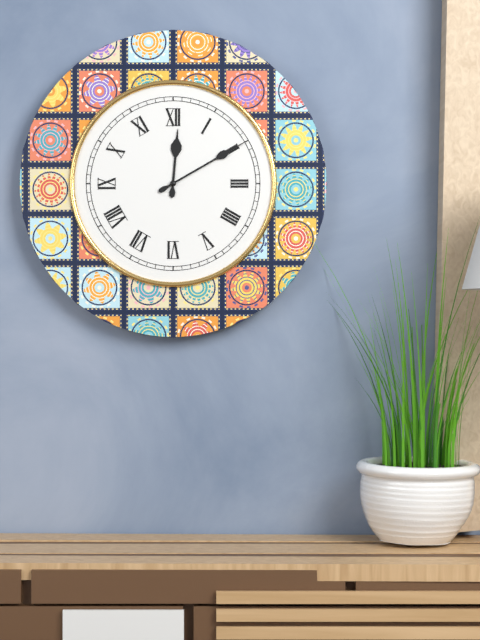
12:10
